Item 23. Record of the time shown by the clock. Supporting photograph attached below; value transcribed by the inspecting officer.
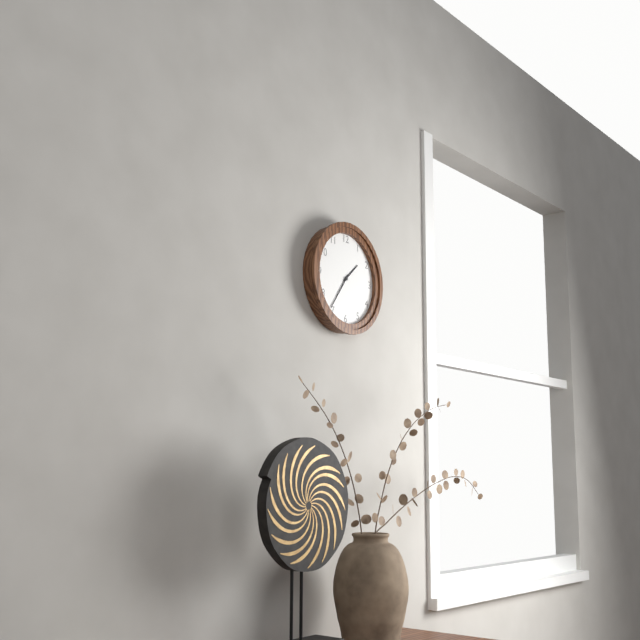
1:36
